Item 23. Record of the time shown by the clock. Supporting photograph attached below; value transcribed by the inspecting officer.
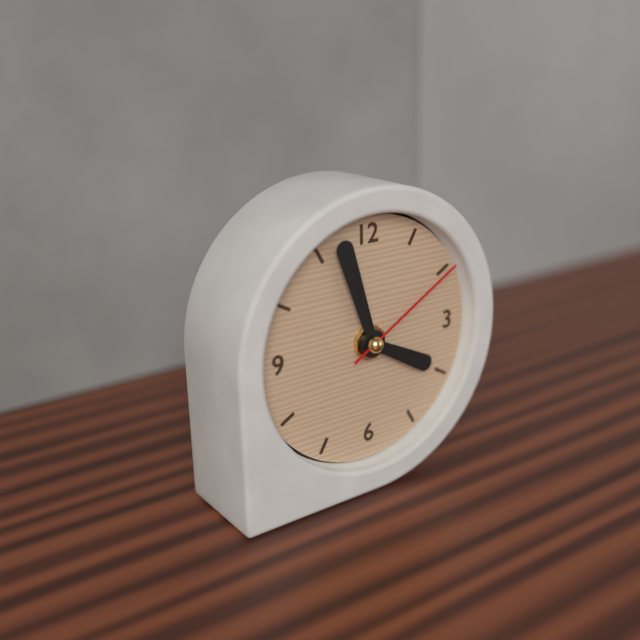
3:57:10
